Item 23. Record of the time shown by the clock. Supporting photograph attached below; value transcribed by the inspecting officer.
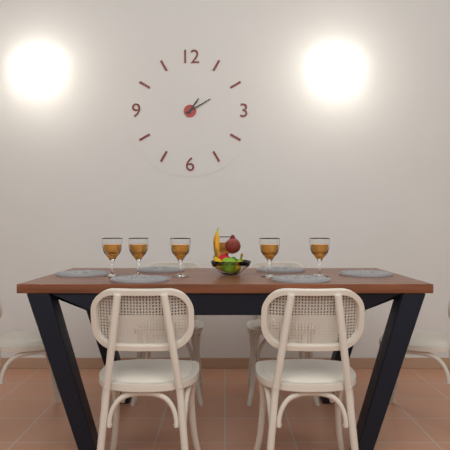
1:10
